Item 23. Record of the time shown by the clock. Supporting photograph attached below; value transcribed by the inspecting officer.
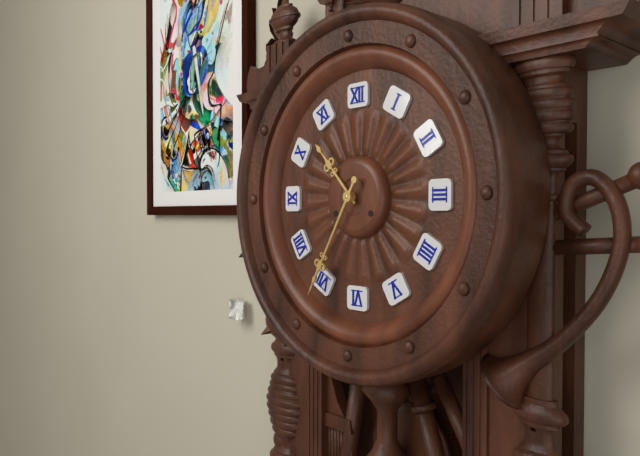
10:35
